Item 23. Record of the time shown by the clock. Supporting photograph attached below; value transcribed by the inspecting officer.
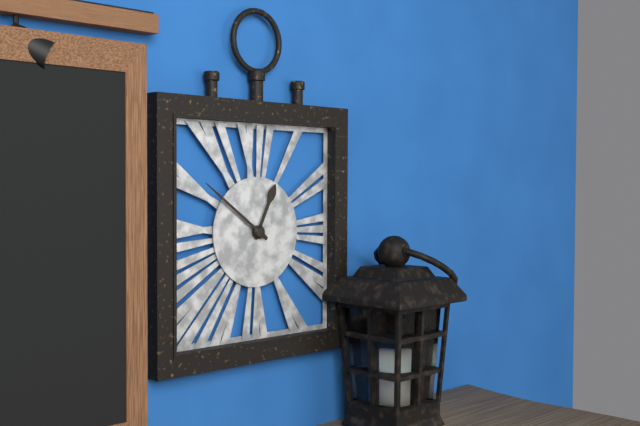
12:51
